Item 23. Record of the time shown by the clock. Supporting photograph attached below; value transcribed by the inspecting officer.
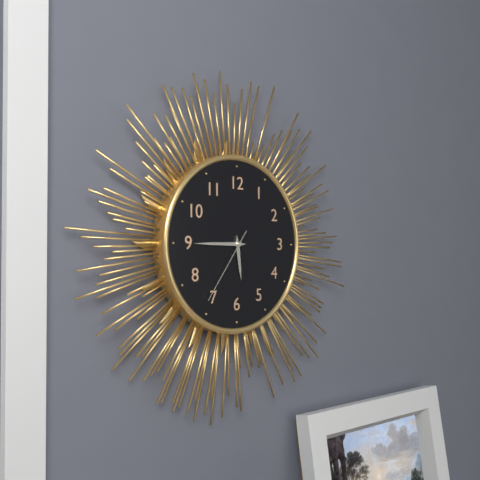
5:45:36
